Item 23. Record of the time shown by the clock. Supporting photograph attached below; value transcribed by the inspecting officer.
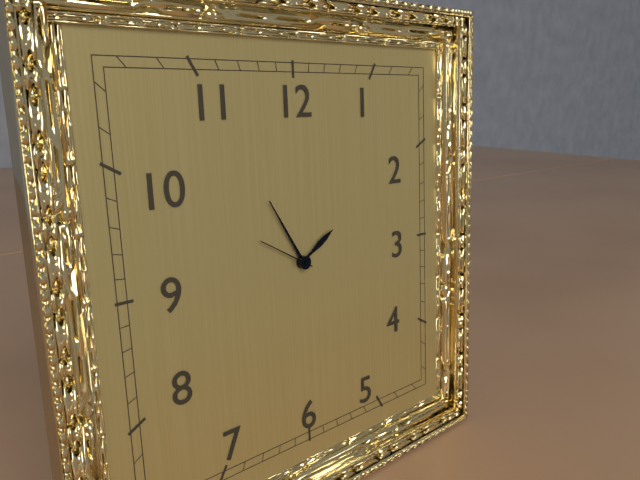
1:55:50
